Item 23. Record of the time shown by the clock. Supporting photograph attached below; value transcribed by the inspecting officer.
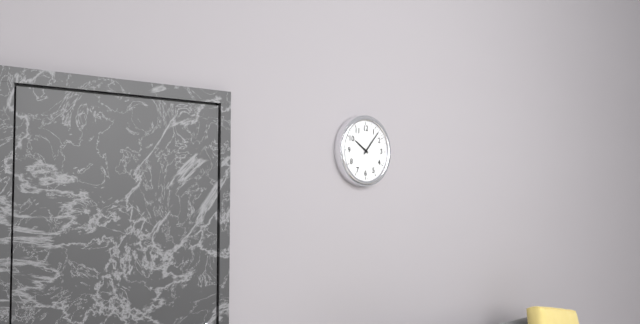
10:07
